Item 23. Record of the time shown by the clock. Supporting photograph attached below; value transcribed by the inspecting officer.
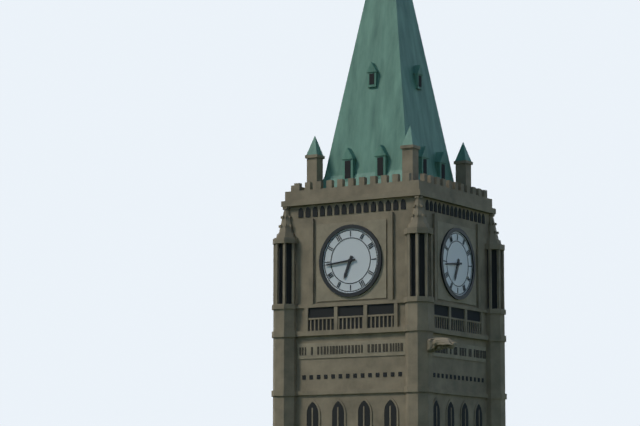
6:44
